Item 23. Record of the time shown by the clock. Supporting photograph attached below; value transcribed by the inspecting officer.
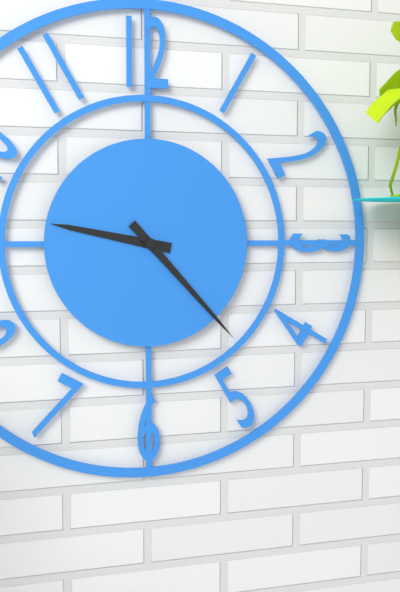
9:23
